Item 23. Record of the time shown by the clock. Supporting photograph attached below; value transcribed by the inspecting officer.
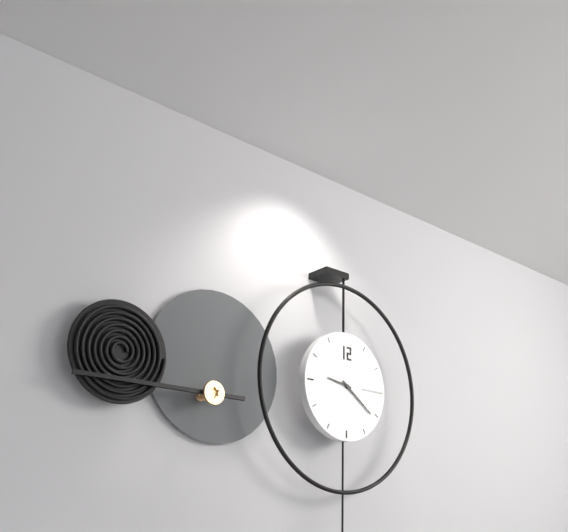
9:21
